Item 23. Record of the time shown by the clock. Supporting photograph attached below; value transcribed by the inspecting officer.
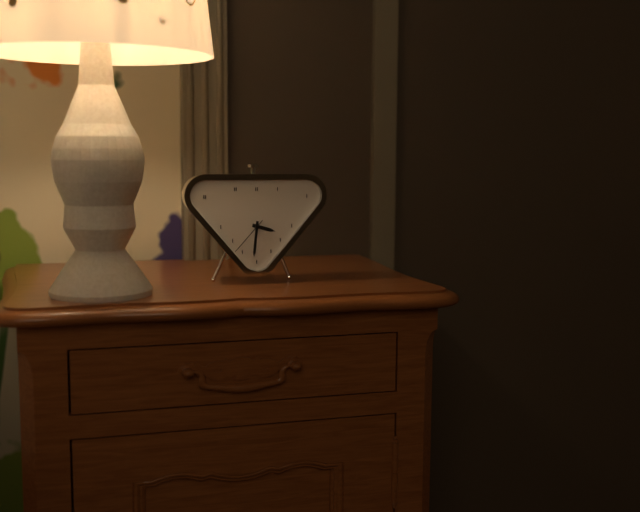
3:31
